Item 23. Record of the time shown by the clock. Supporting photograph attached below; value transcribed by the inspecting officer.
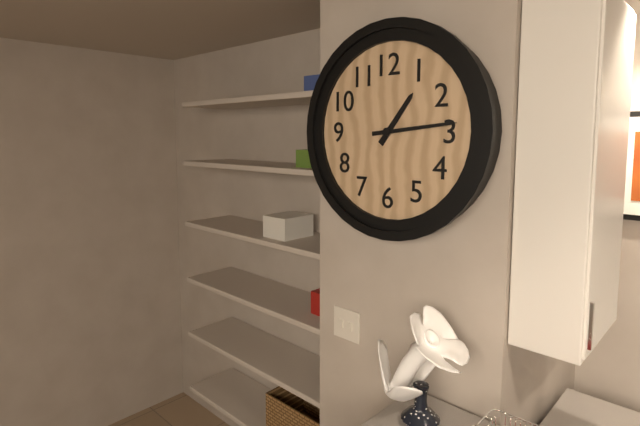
1:14
